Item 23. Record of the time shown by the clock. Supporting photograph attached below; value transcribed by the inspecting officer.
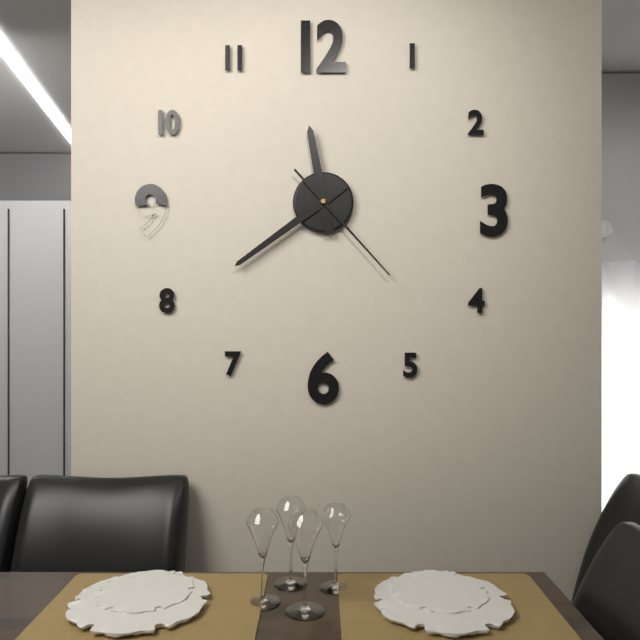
11:39:23
